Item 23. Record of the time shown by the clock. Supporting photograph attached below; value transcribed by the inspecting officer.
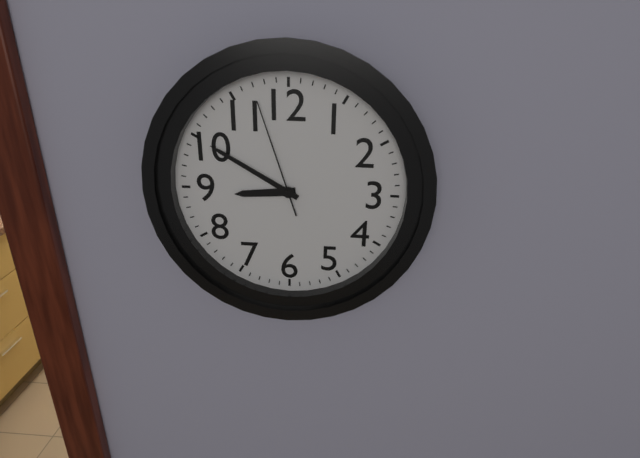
8:50:57
